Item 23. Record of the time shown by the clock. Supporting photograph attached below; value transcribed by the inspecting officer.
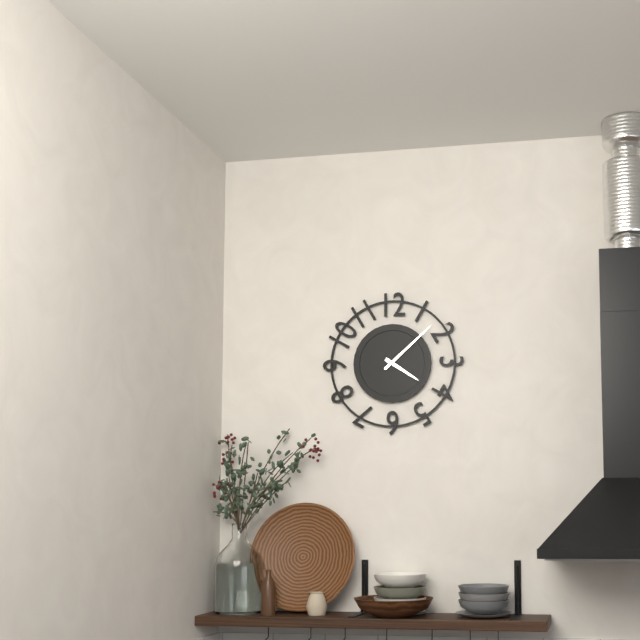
4:08
